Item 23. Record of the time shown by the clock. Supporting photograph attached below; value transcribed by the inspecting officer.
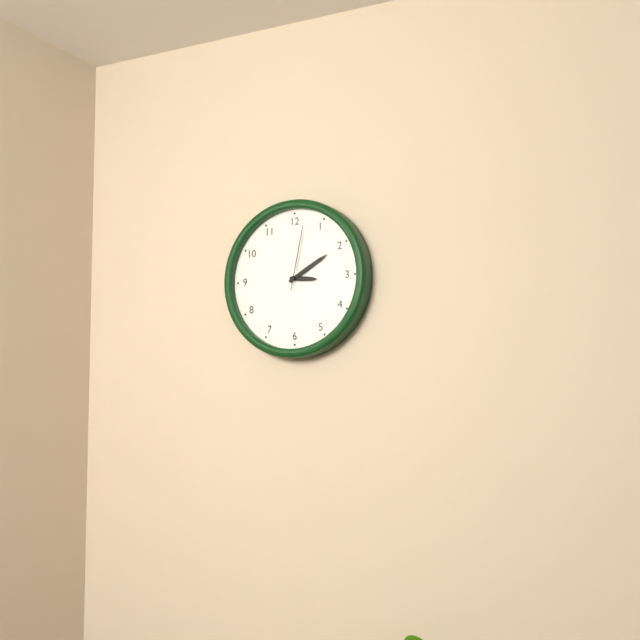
3:10:02
